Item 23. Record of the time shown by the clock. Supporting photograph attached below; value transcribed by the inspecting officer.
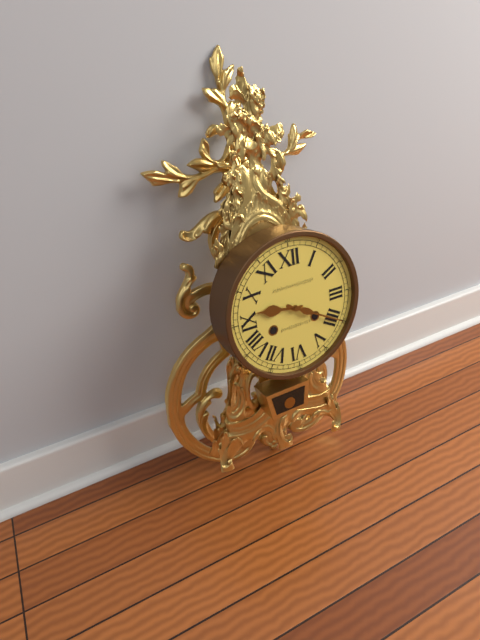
9:20
